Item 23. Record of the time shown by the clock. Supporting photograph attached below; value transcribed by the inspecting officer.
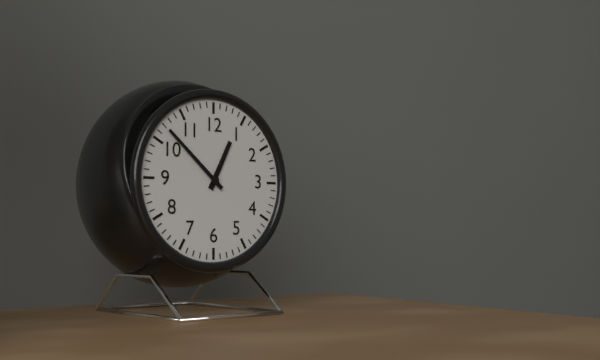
12:52
